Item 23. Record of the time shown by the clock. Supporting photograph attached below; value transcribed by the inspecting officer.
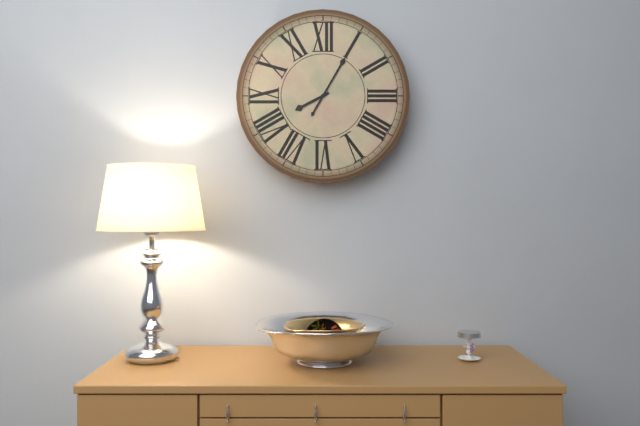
8:05
